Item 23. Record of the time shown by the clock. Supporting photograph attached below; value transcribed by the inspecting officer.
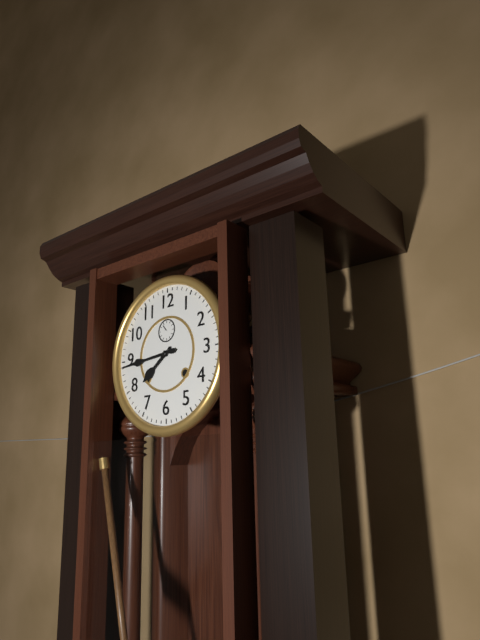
7:44
